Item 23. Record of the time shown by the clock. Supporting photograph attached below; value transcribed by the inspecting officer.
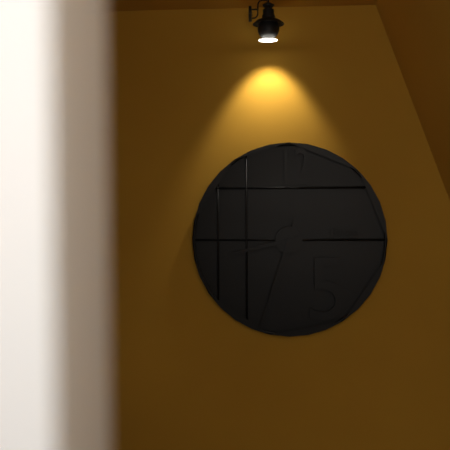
8:33
